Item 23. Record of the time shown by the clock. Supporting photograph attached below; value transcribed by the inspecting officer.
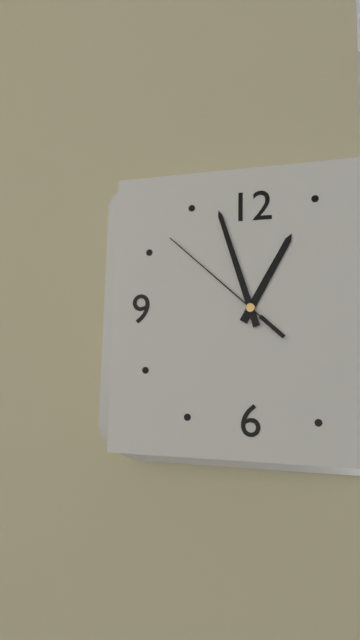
12:57:52
